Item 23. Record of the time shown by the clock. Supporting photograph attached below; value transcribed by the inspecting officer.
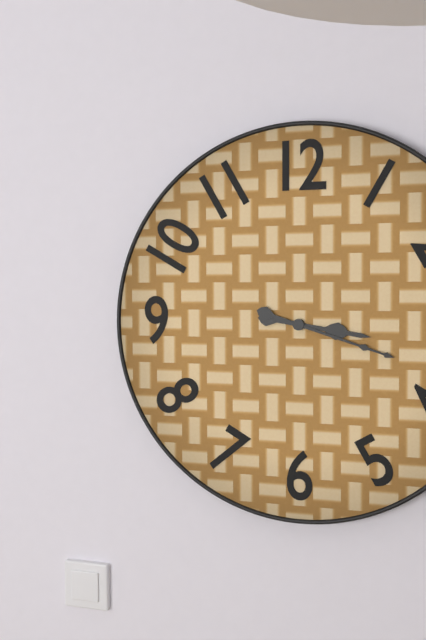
3:18
